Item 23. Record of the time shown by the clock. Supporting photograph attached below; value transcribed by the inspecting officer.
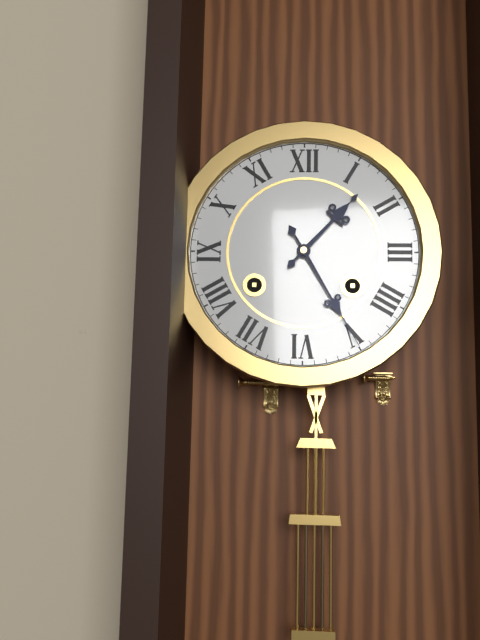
1:25
